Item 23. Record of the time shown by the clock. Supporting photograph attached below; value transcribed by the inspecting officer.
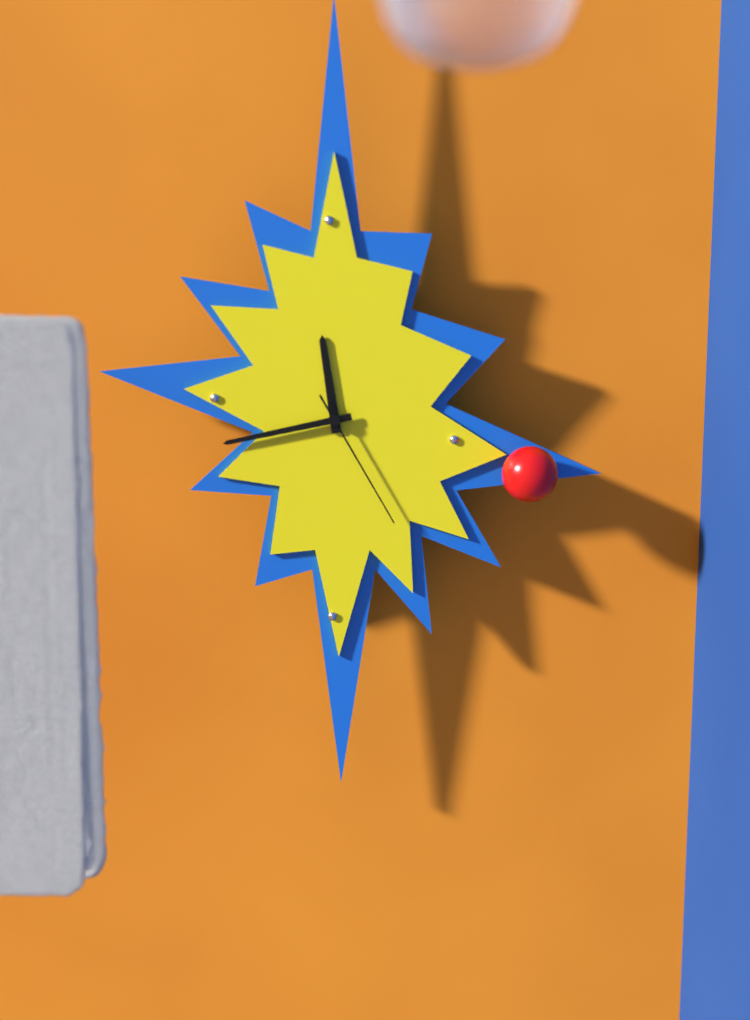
11:43:25
